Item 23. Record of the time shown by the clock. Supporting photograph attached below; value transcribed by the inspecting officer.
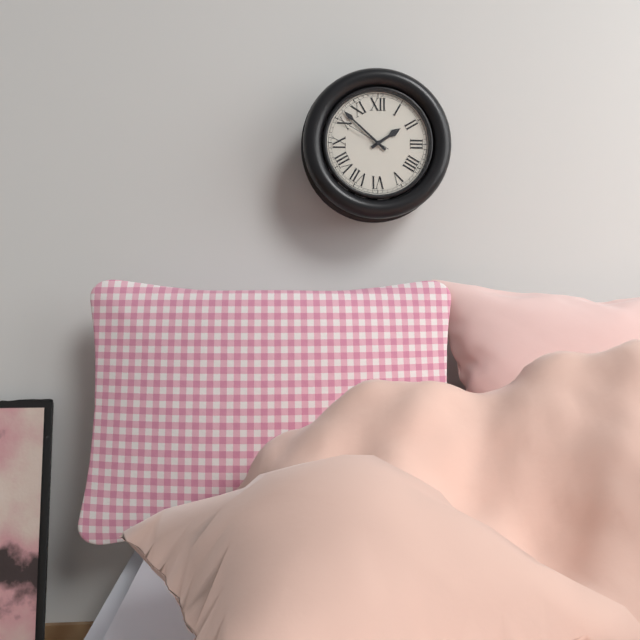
1:52:50
